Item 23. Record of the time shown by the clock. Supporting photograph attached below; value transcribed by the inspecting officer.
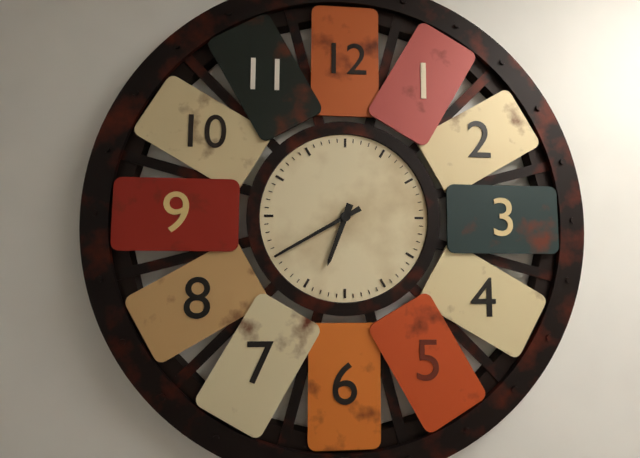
6:40
